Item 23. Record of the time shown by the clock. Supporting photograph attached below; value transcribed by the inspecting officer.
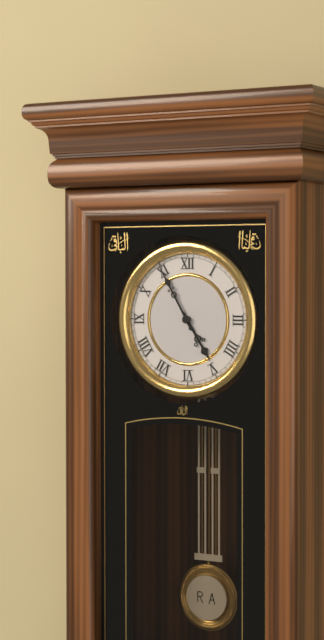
4:55
